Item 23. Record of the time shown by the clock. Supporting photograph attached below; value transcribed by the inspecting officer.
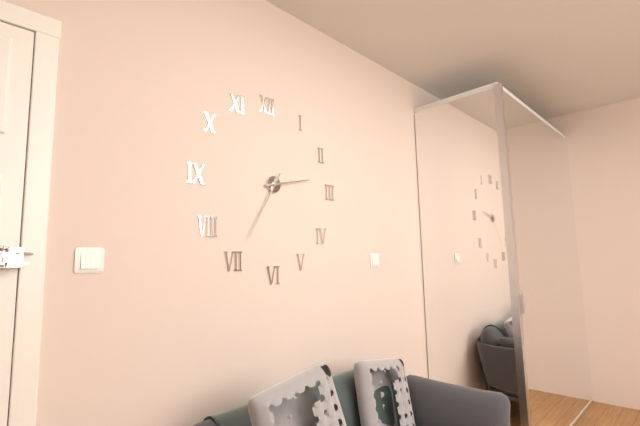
2:35
